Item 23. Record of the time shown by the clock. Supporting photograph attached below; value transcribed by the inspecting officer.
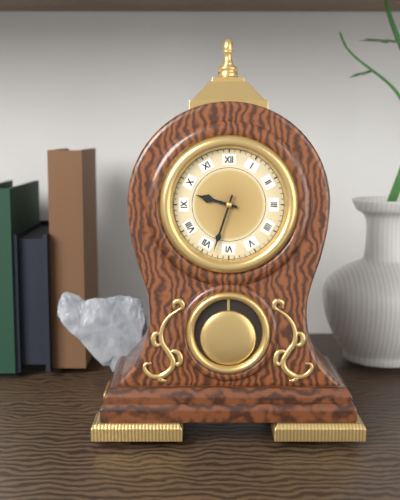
9:33
